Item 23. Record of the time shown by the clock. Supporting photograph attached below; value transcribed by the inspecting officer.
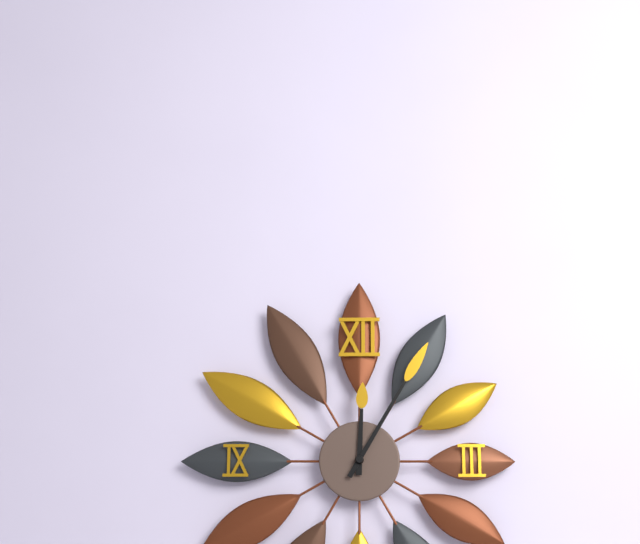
12:05
